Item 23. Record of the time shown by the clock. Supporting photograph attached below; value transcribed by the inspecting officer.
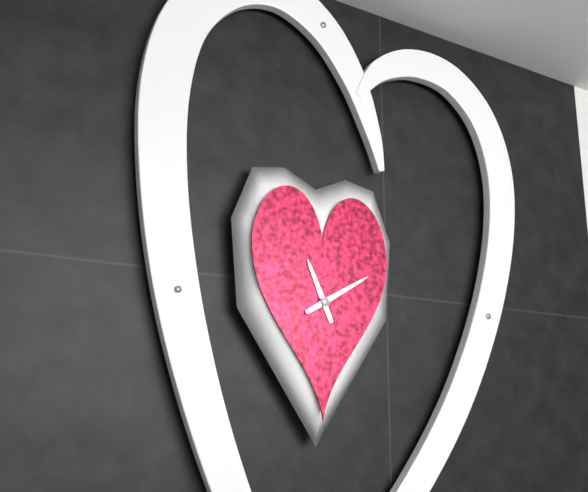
11:10
